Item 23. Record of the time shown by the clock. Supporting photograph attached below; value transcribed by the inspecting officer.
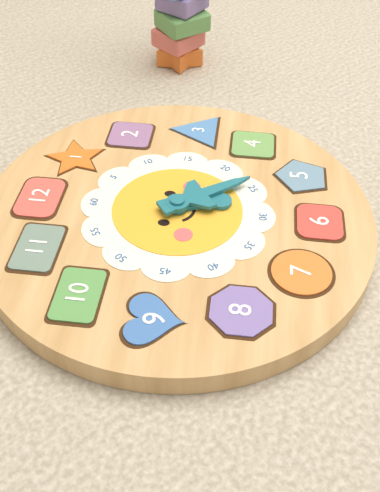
5:24
